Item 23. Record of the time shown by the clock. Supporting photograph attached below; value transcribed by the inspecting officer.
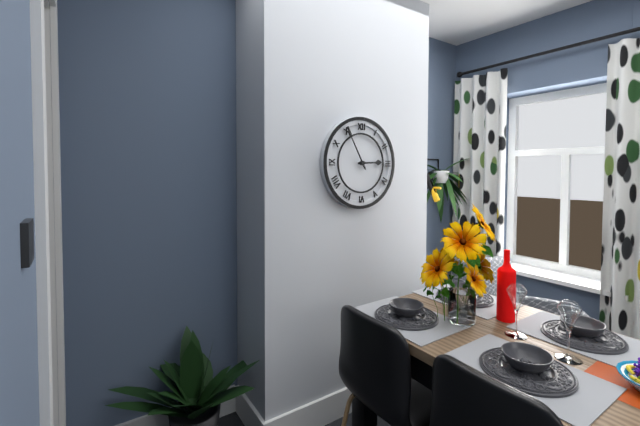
2:55
